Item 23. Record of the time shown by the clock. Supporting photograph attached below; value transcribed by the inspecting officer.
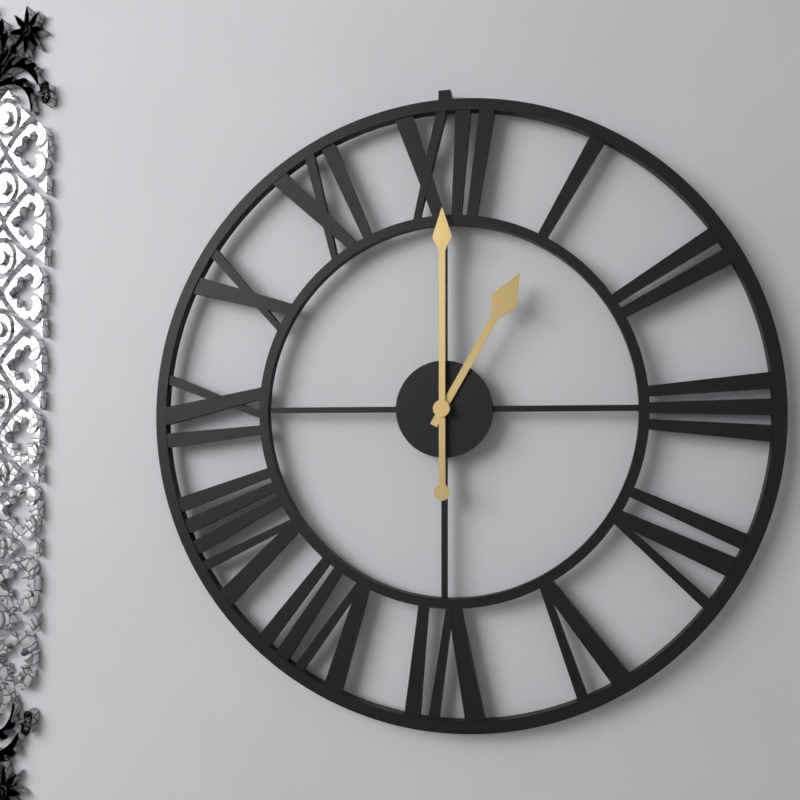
1:00
